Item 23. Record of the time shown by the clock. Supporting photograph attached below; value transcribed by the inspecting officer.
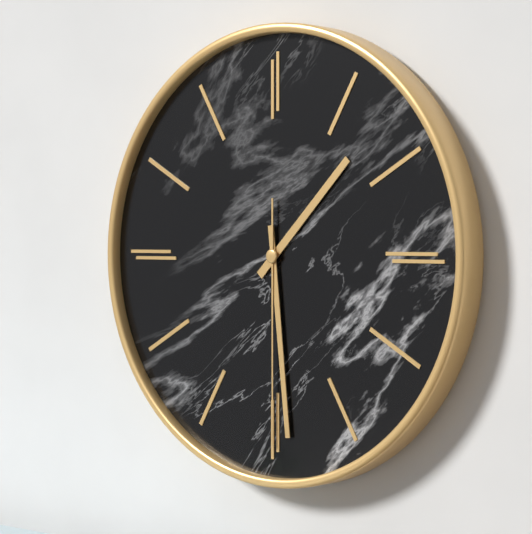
1:29:30
